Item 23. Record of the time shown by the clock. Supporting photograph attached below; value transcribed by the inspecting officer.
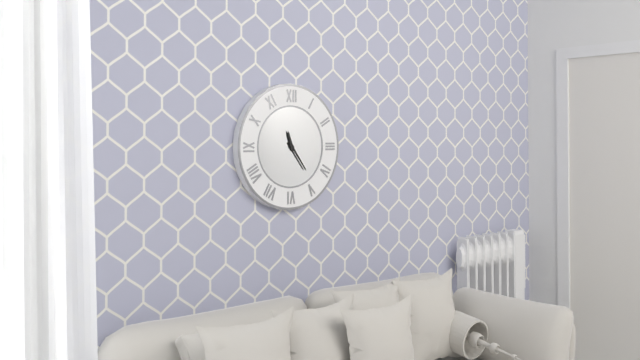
11:24
